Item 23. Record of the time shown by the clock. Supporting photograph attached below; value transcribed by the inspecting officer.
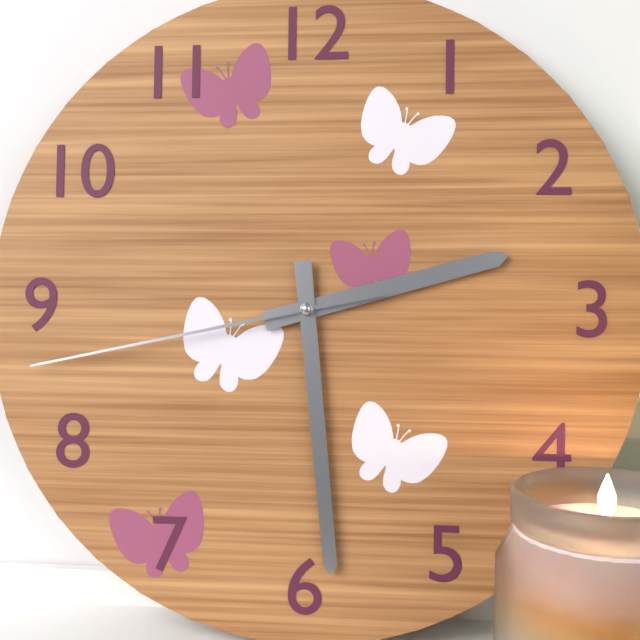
2:29:43
